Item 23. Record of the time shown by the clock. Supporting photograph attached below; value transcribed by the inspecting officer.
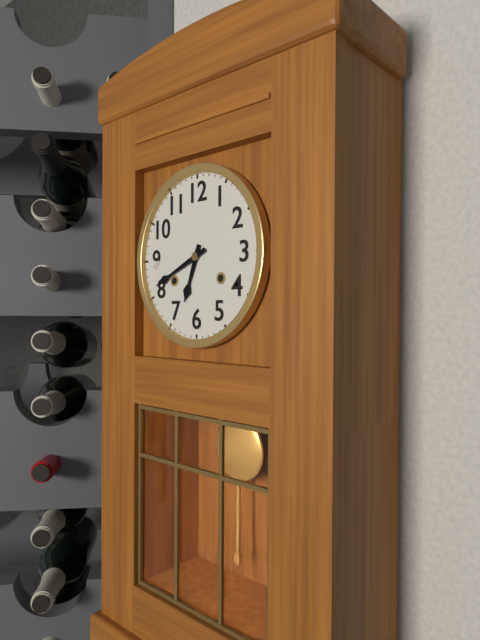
6:41
